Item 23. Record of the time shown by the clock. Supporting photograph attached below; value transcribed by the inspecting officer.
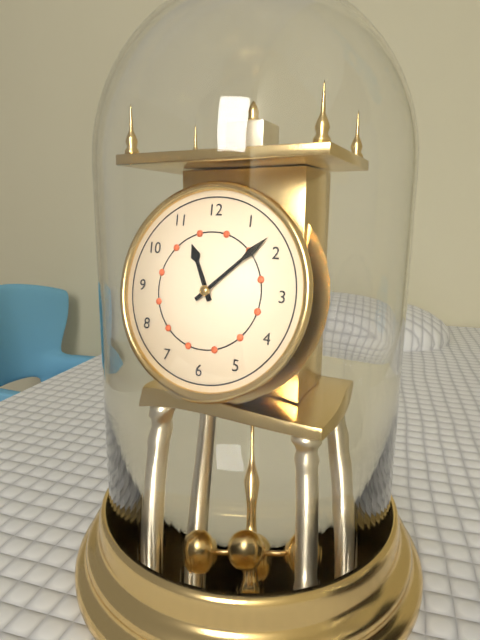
11:08
